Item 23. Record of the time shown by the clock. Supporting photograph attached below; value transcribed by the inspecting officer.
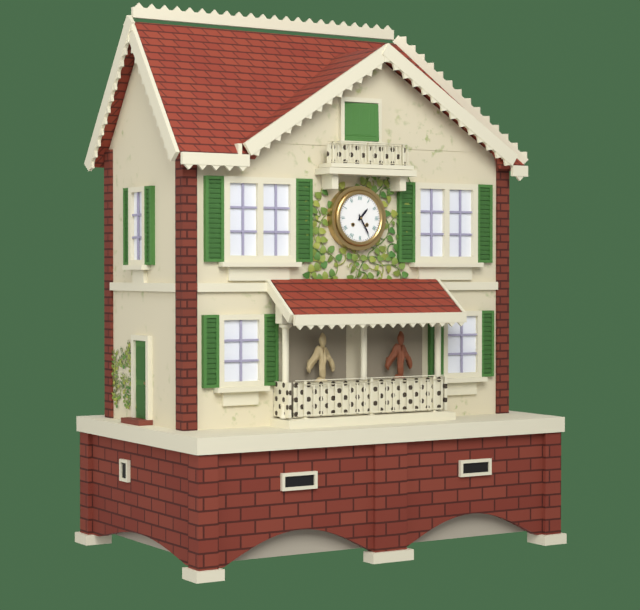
1:25
